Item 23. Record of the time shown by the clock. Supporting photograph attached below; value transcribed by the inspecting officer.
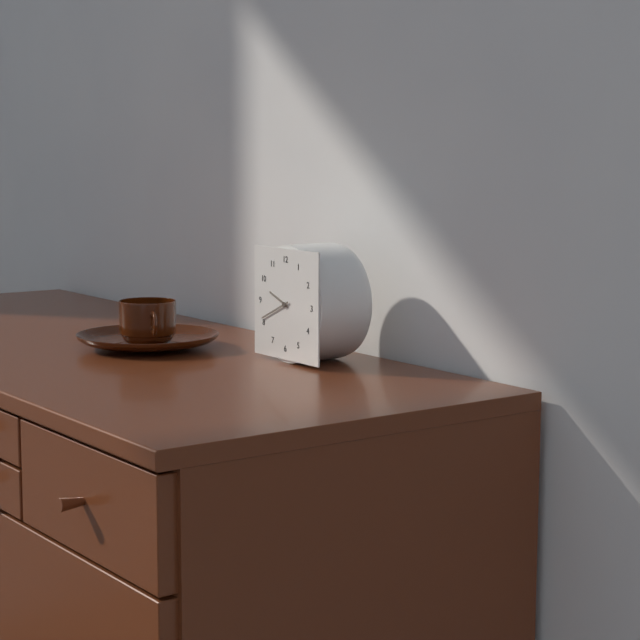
9:41
